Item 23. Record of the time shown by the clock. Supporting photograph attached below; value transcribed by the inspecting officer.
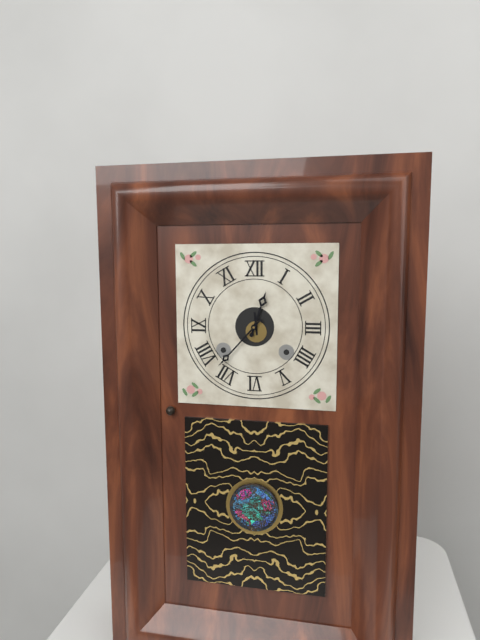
12:37
